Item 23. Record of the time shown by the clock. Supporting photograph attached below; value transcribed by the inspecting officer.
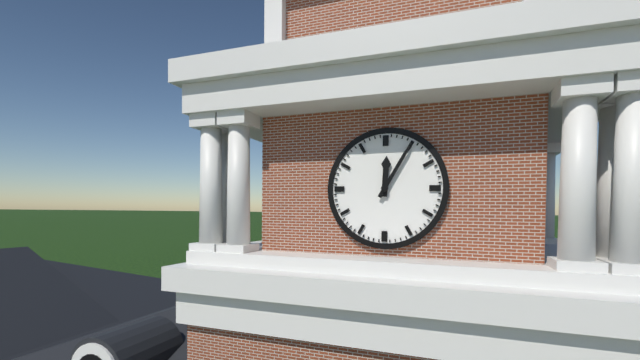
12:05
